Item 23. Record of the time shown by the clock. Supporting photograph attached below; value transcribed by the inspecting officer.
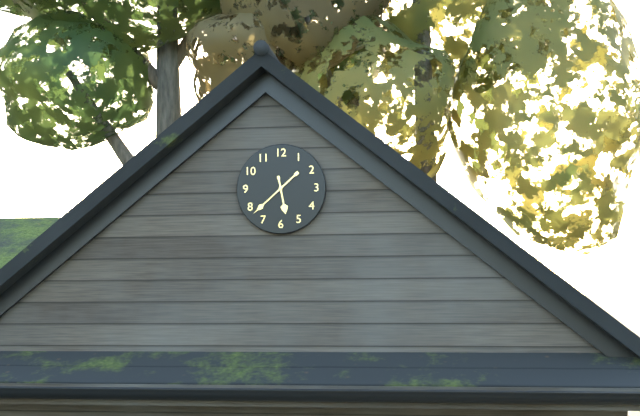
5:38
